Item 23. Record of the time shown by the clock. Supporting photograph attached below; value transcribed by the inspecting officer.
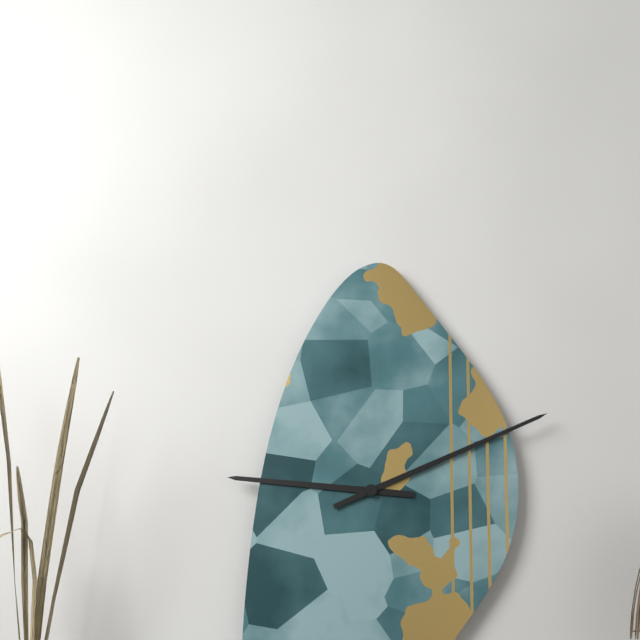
9:11
